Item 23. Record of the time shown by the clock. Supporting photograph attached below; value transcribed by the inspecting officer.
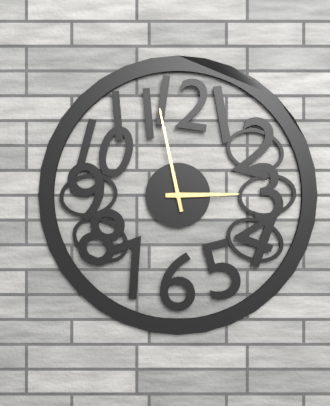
2:58
